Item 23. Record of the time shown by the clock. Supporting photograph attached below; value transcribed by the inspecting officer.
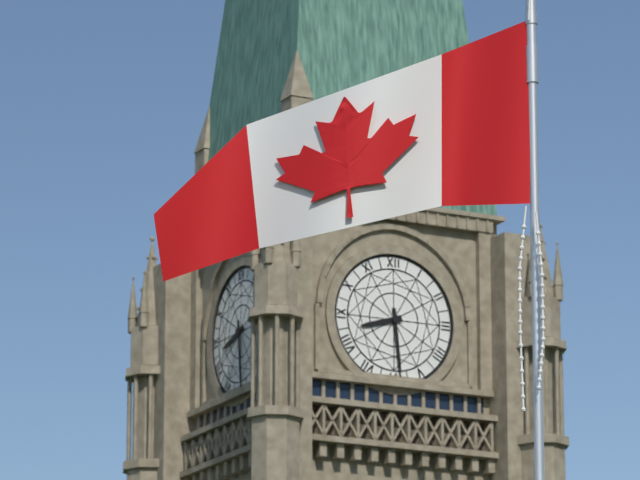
8:29
